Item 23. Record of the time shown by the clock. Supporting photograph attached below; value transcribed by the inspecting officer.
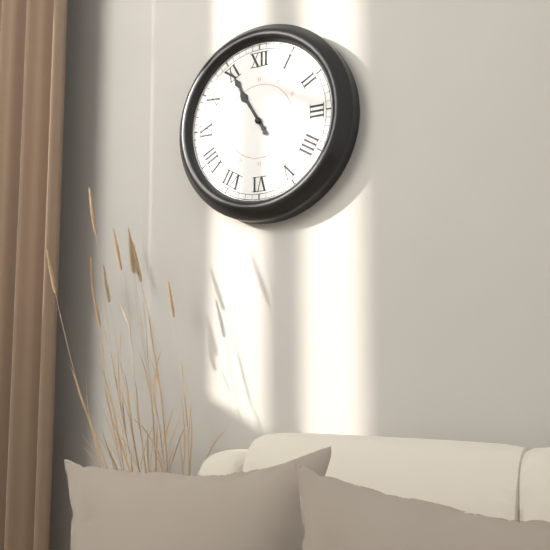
10:55
